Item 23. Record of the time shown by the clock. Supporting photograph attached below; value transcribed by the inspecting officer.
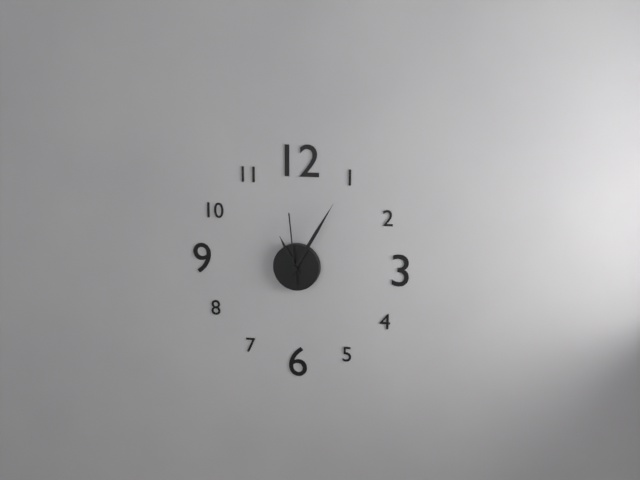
11:05:59
